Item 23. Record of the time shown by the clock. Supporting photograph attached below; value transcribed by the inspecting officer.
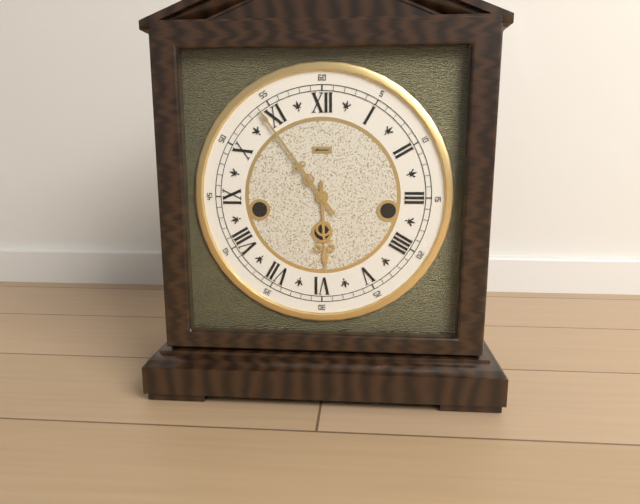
5:54
